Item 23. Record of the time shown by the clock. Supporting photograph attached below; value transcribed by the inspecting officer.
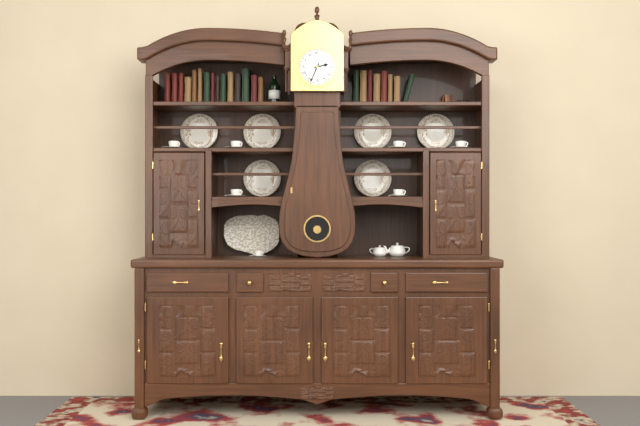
2:34
